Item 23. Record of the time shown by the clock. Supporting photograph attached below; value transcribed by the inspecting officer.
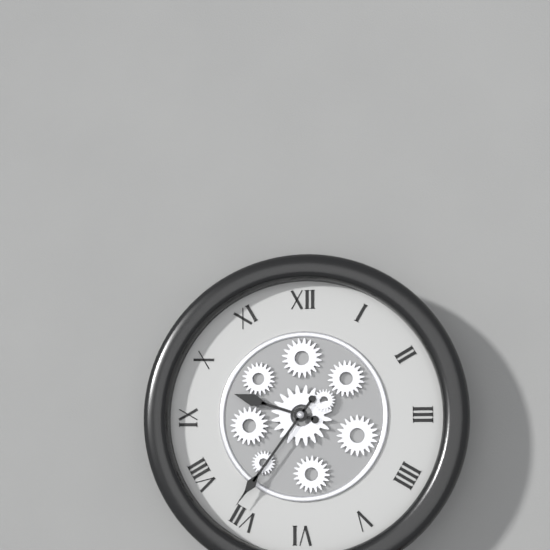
9:36
